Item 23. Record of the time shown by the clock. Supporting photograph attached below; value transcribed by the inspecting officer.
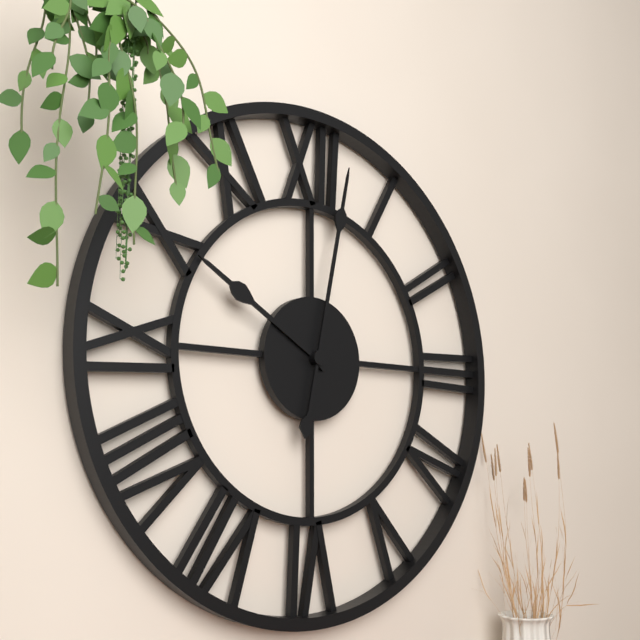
10:02
